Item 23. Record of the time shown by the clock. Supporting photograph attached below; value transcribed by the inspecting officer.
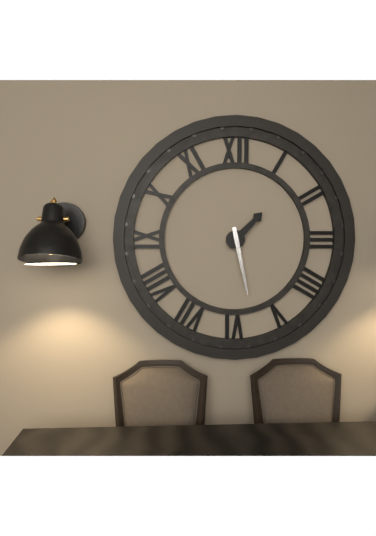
1:28
